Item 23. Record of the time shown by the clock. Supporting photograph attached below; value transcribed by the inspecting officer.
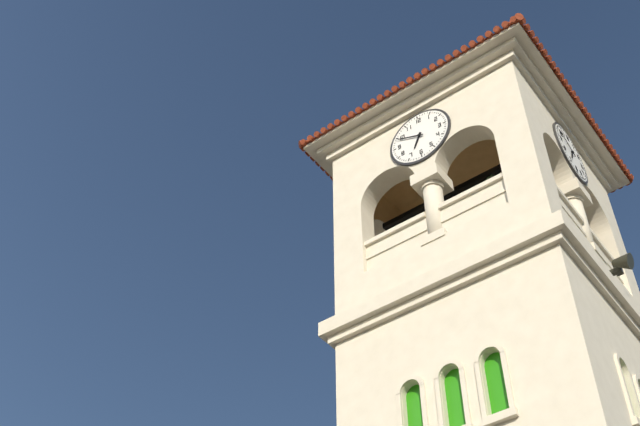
6:49
